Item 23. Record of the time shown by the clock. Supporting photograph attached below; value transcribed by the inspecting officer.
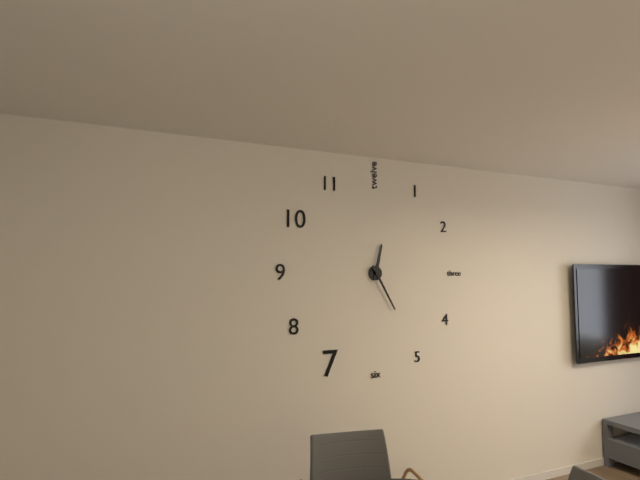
12:25
